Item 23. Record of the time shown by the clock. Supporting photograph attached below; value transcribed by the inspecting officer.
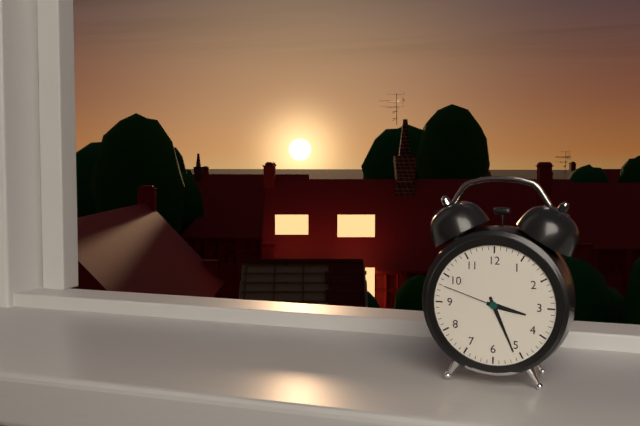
3:26:48
